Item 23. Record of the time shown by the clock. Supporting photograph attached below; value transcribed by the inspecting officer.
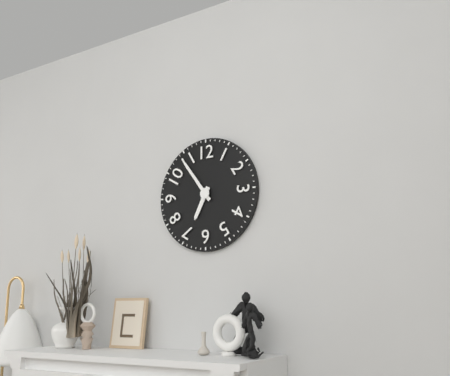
6:54
